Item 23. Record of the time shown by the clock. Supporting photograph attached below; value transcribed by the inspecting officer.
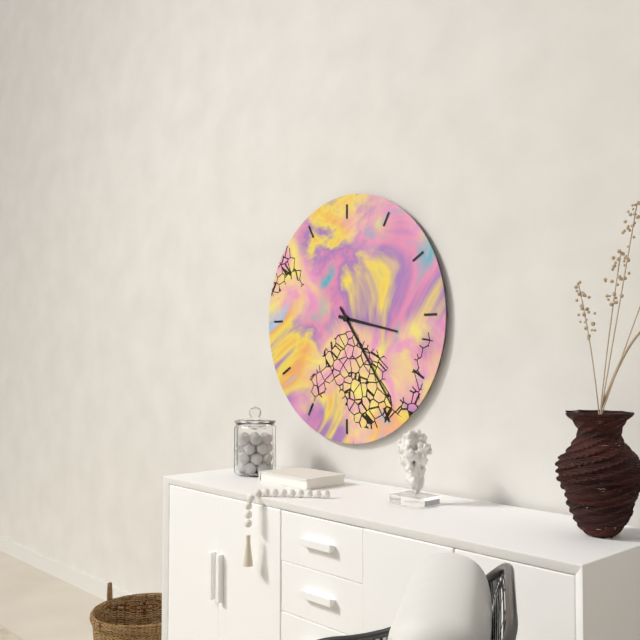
3:24
